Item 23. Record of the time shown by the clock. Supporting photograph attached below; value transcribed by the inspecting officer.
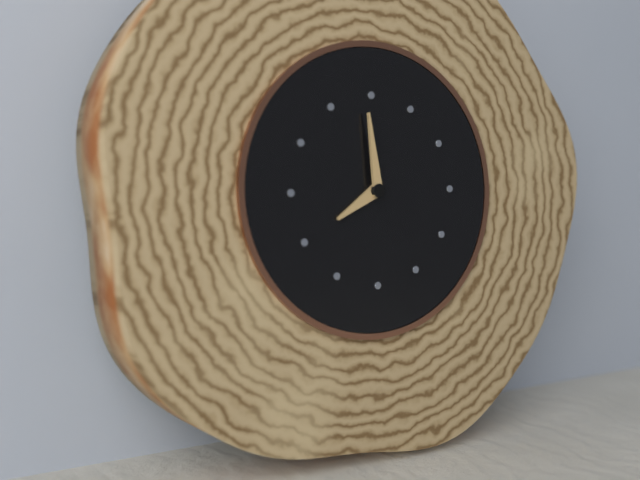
7:59
